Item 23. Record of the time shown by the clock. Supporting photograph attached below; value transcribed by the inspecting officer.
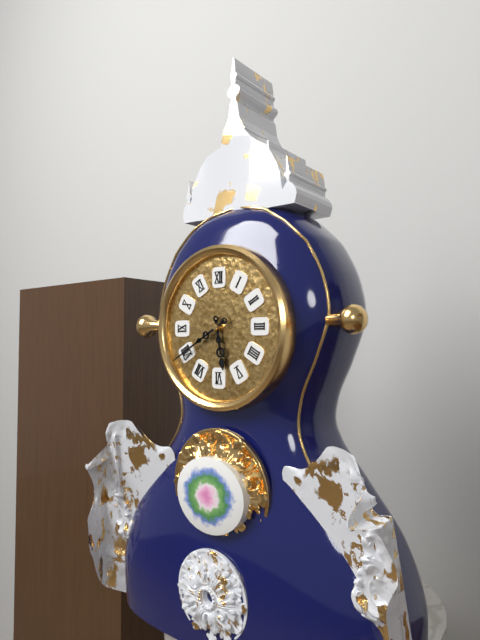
5:40
